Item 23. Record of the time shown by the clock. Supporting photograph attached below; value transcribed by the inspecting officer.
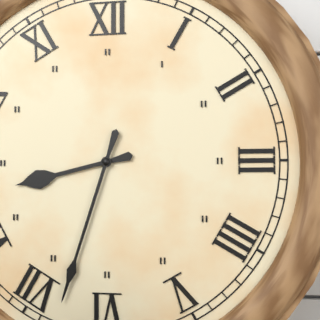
8:33
